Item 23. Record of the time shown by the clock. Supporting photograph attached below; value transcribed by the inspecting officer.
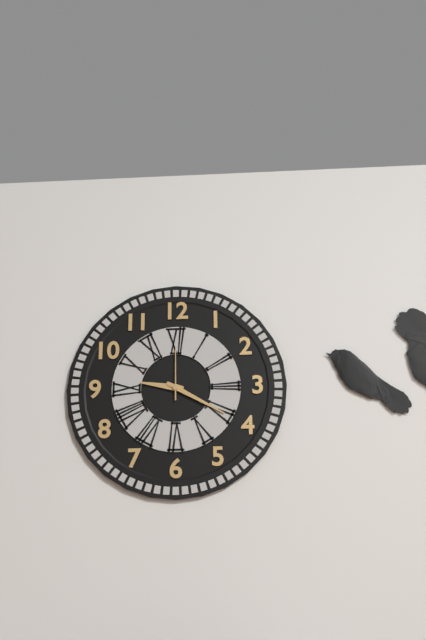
9:20:00
